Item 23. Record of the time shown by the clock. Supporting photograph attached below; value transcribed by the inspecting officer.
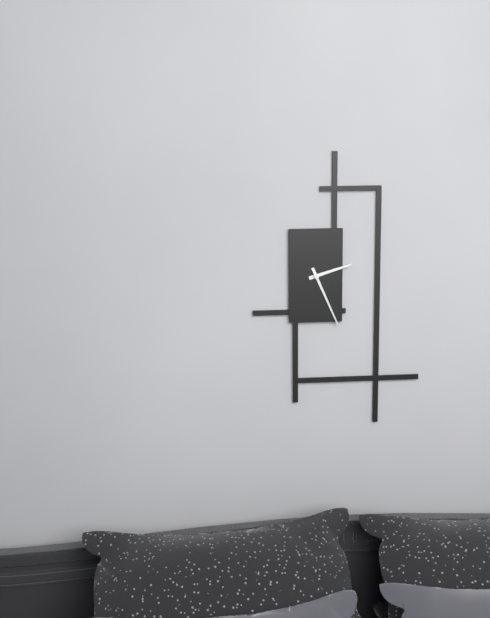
2:26
